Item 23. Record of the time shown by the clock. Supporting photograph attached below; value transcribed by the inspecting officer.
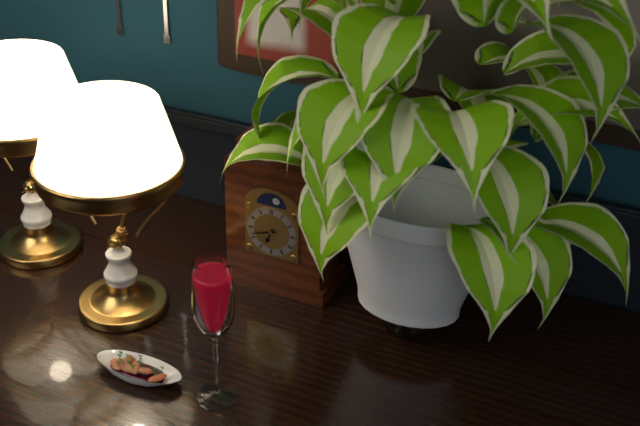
6:42
